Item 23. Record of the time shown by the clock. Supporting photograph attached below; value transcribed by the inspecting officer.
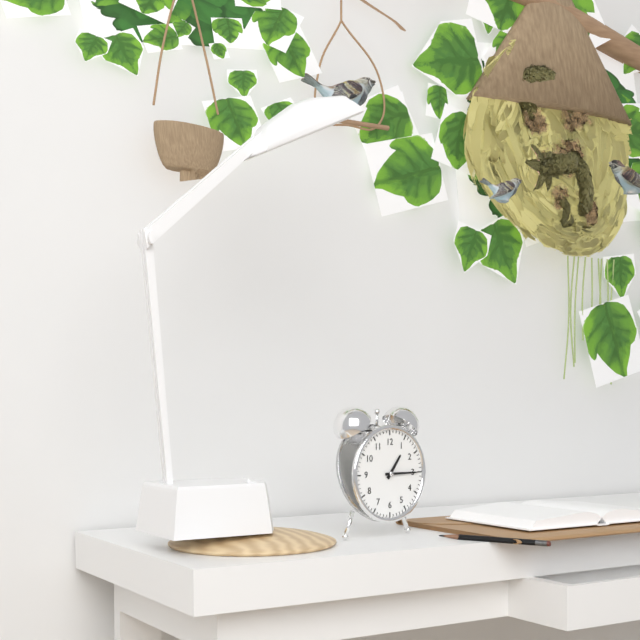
1:15
